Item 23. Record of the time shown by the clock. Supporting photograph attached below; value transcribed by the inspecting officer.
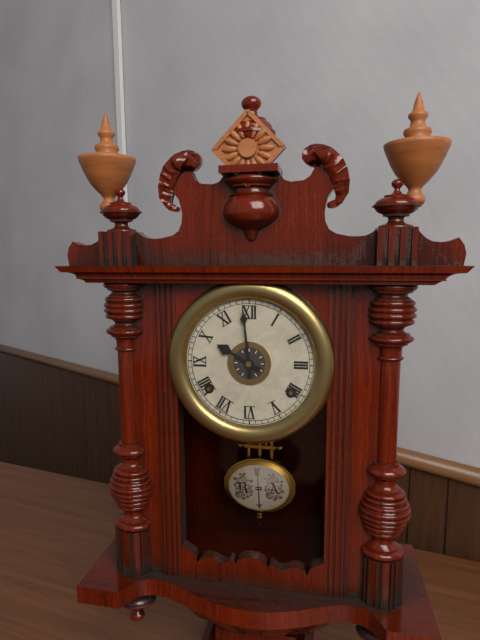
9:59
